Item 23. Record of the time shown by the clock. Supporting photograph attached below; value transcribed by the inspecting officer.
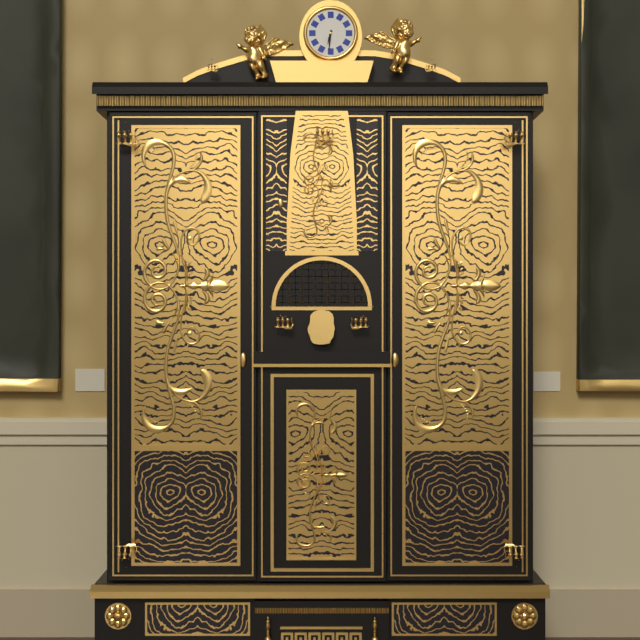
6:31
